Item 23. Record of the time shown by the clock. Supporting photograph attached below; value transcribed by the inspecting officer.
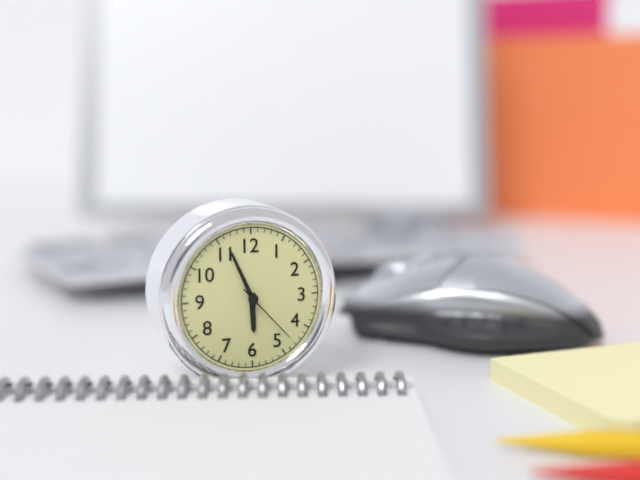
5:56:23
